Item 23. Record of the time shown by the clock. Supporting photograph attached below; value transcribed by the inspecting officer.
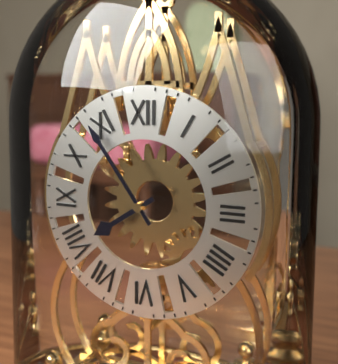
7:54
